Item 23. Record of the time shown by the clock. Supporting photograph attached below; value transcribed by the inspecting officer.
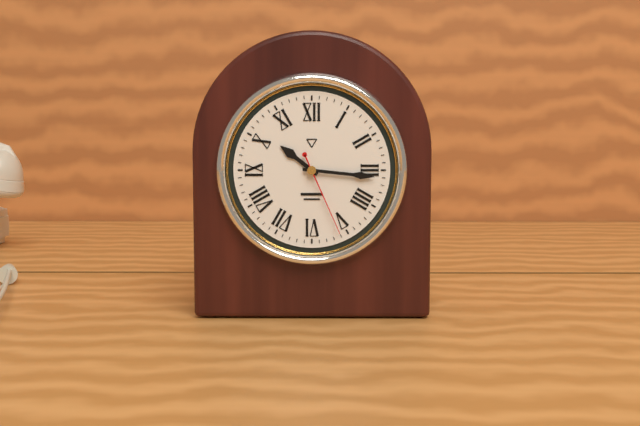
10:16:26
